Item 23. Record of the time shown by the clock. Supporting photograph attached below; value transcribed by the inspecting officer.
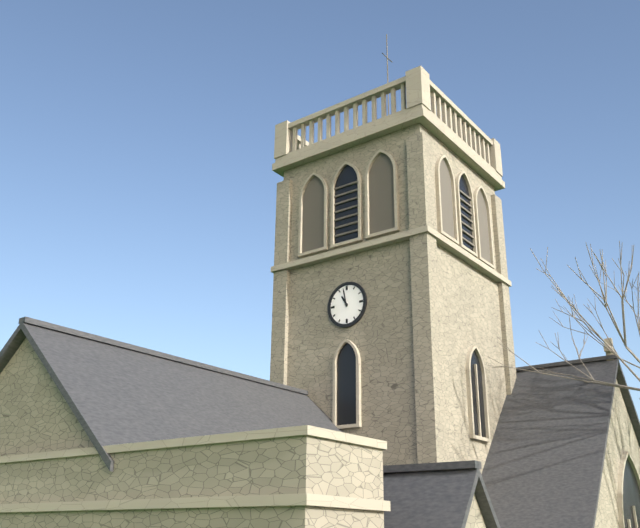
10:58
